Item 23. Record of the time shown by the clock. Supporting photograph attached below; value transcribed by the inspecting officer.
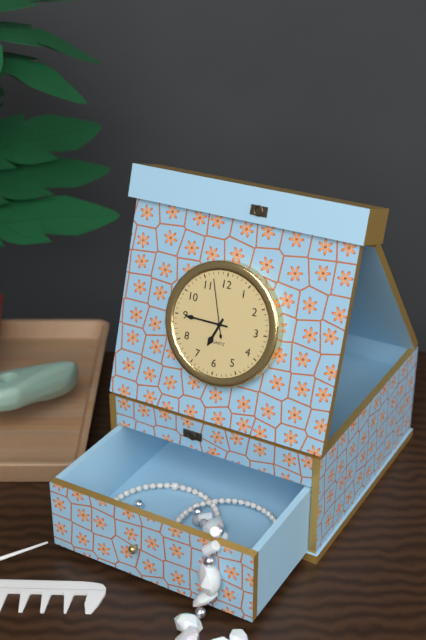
6:45:57
